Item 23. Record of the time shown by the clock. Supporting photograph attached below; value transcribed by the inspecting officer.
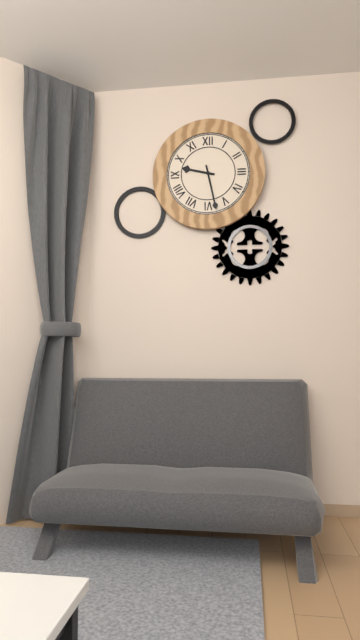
9:28
